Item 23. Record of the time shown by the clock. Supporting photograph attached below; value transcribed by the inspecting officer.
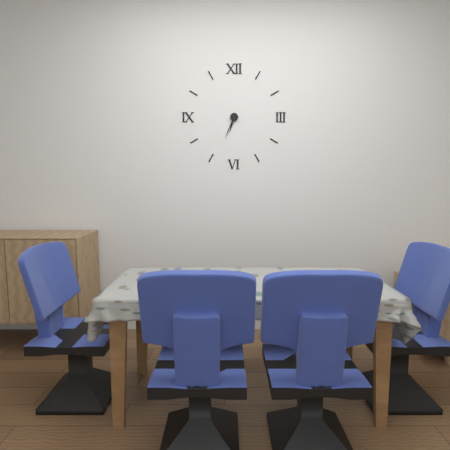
6:34
